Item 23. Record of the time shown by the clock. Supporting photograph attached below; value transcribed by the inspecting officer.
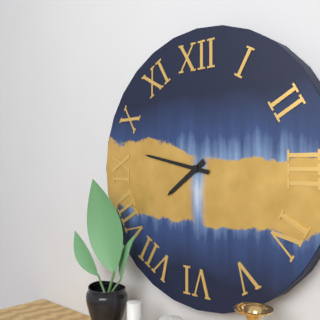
7:47
